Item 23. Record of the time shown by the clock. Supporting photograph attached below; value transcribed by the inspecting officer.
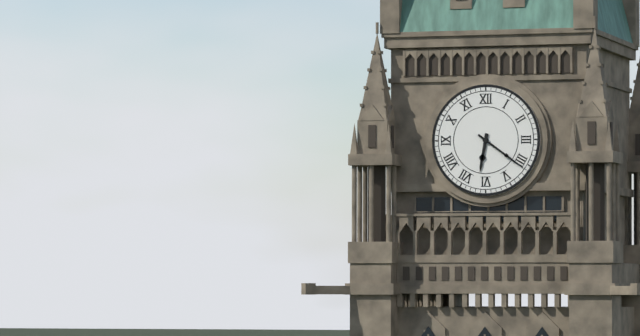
6:21
